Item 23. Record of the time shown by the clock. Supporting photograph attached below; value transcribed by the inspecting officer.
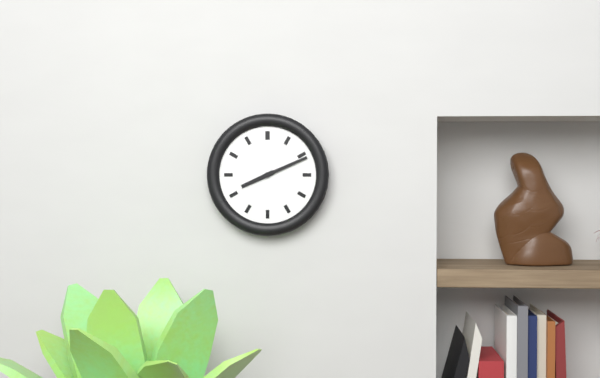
8:11
